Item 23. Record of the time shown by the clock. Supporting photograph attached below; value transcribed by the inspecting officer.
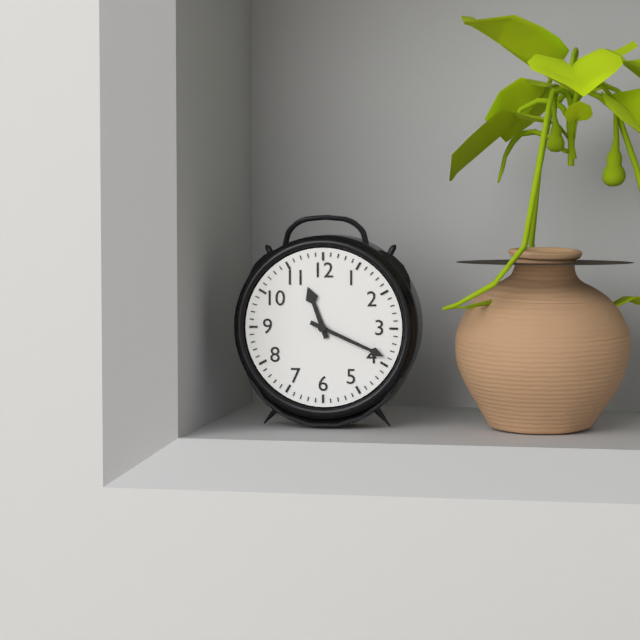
11:19
